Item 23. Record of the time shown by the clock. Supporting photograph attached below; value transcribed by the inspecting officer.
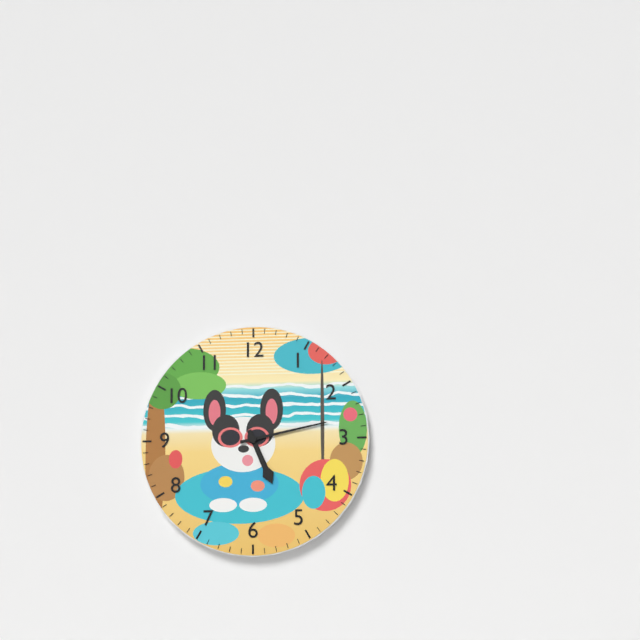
5:13
